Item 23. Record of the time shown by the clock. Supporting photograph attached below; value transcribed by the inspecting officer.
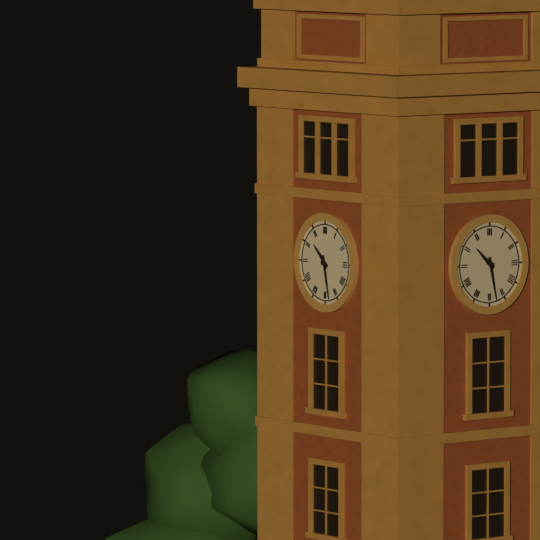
10:28
